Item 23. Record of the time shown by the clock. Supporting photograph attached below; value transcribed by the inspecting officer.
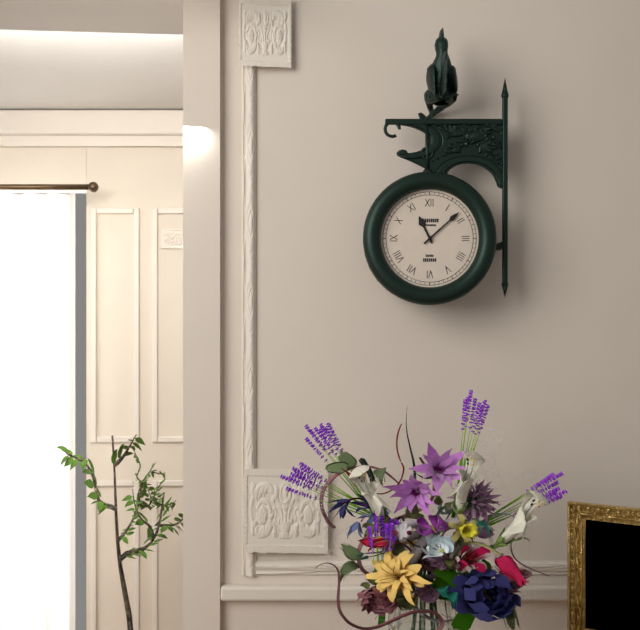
11:08
